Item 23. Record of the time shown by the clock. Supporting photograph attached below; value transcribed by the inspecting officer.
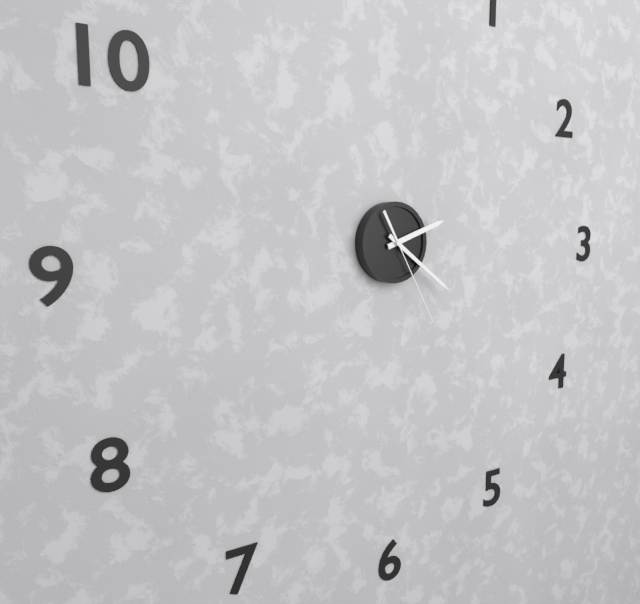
2:21:25
